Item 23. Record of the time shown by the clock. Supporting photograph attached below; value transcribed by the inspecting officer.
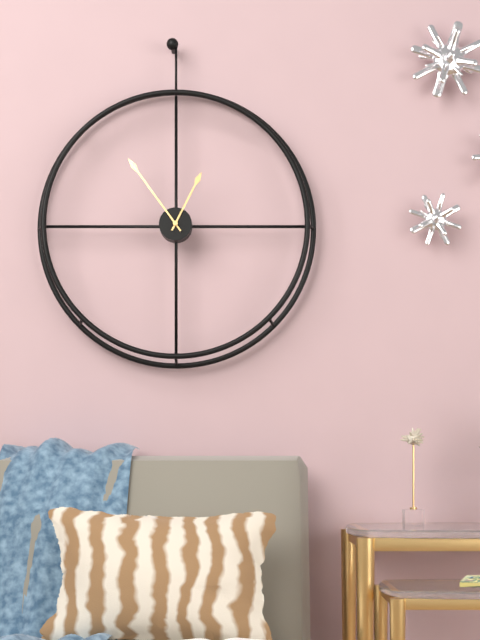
12:54
